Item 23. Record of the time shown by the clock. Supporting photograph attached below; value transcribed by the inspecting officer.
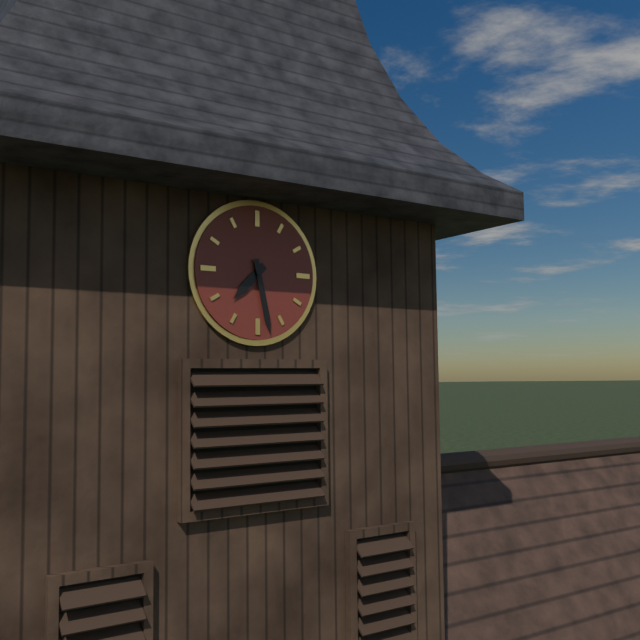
7:28
